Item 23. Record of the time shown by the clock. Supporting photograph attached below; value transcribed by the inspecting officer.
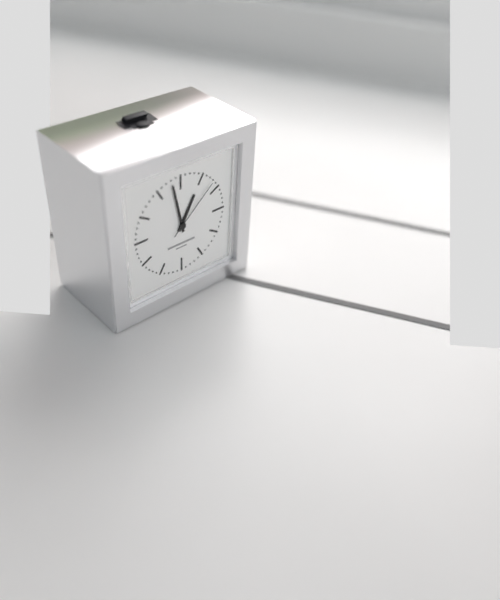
12:58:08
